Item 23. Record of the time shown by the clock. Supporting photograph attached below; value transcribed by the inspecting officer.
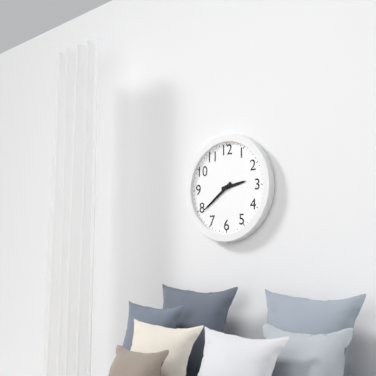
2:39
